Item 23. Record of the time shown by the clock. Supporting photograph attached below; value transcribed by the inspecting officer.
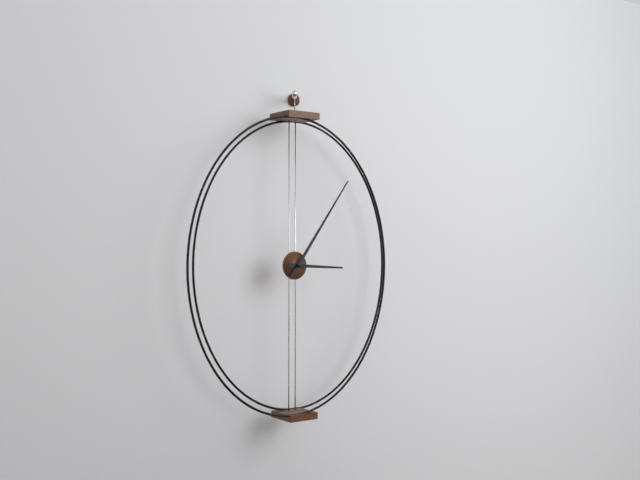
3:06
